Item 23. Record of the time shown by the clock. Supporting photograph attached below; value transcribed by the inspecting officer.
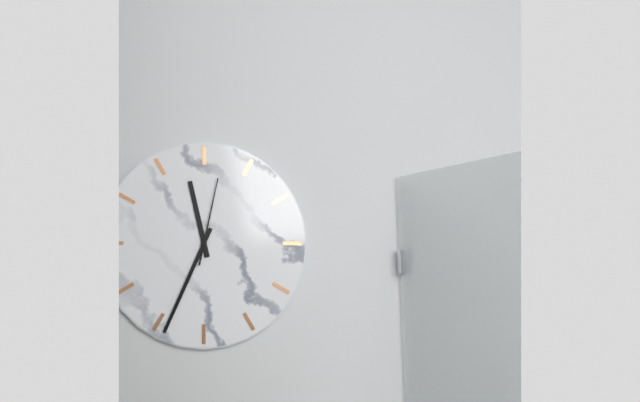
11:34:02
